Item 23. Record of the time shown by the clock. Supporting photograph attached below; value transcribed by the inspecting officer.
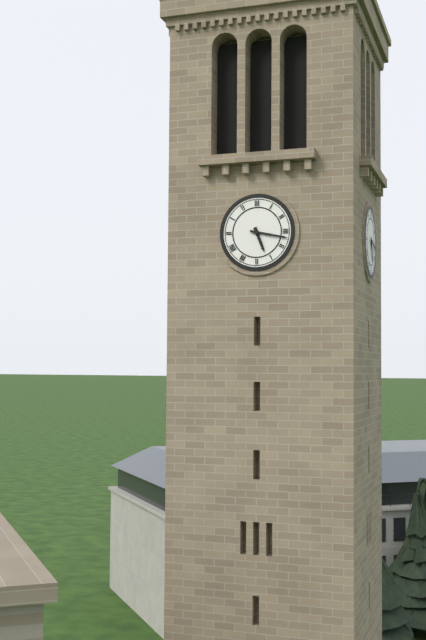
5:17
